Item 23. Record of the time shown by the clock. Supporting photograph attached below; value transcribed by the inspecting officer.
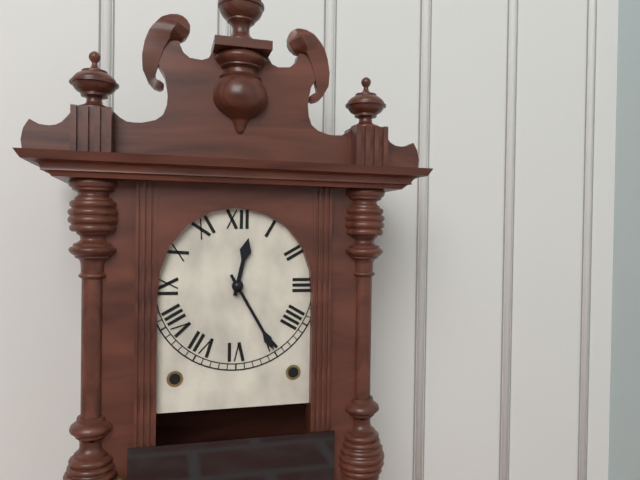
12:25
